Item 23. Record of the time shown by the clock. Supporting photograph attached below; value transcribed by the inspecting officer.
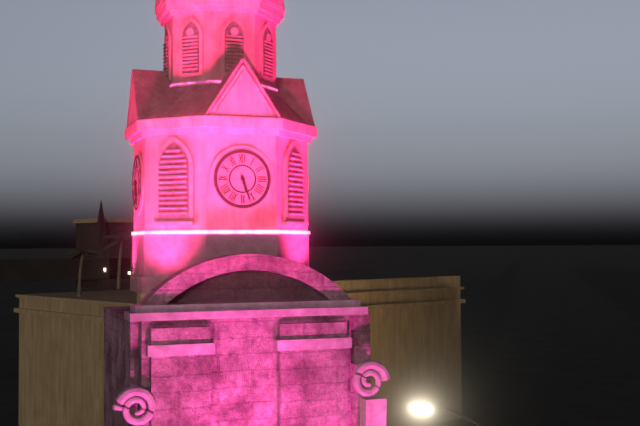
5:27
